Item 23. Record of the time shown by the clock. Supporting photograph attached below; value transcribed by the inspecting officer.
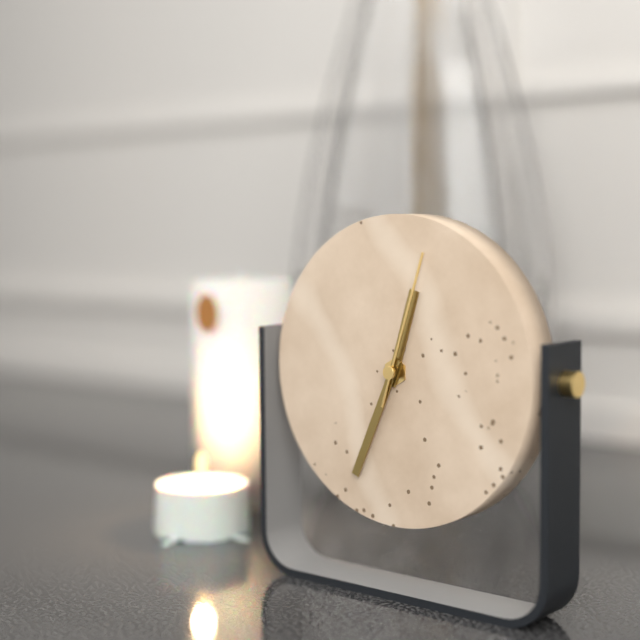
12:34:03
